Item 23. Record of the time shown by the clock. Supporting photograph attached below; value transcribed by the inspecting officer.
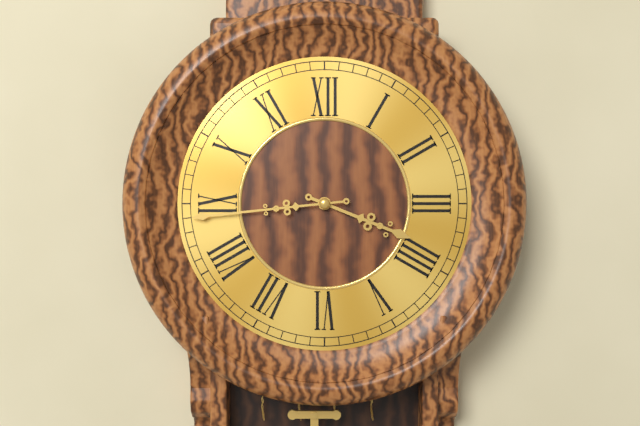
3:44
